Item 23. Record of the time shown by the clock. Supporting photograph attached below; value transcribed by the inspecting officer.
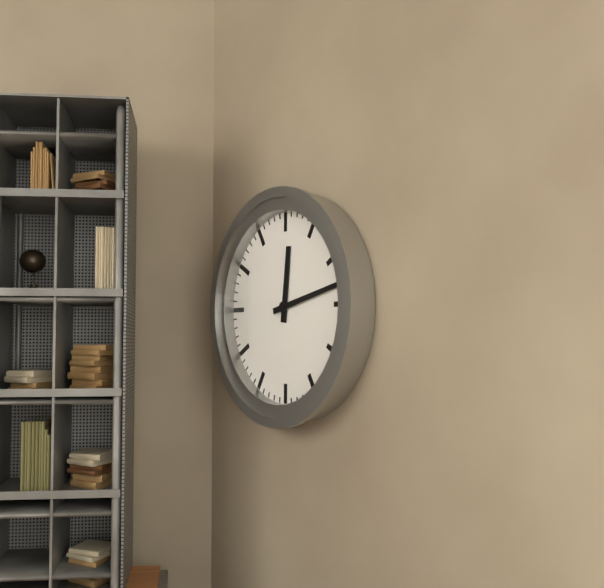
12:13
